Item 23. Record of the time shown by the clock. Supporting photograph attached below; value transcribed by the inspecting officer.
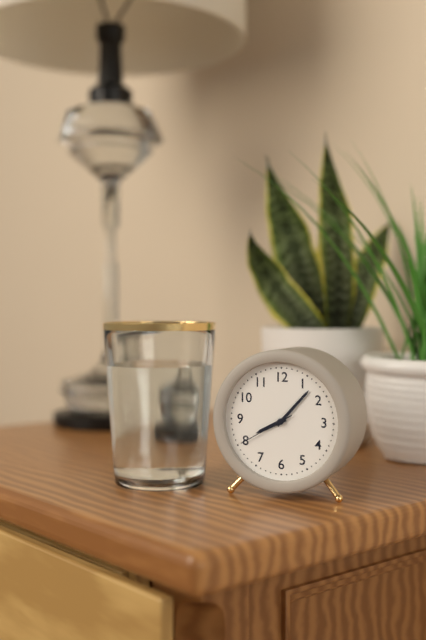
8:07:40
